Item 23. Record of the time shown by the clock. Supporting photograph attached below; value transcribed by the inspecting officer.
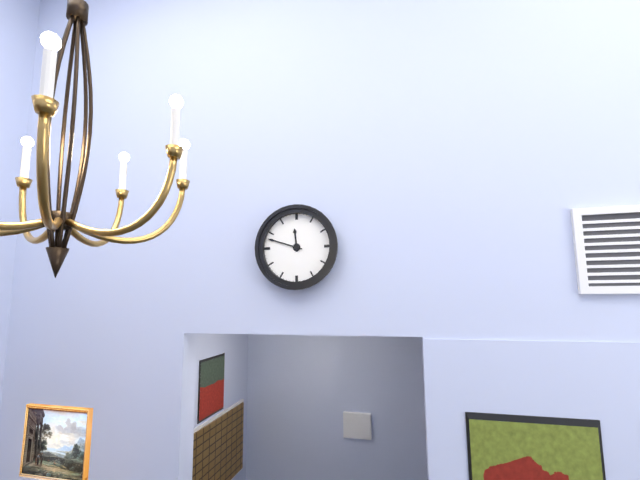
11:48
